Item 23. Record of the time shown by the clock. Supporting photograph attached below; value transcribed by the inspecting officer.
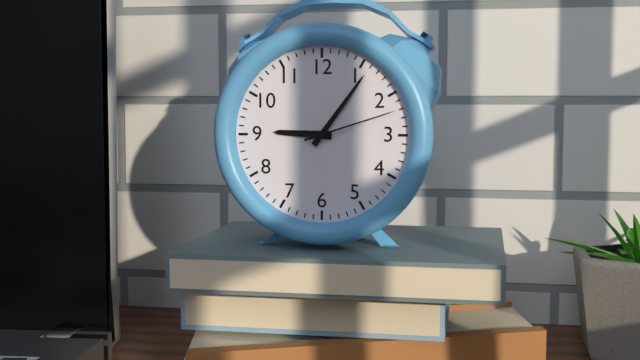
9:06:12
